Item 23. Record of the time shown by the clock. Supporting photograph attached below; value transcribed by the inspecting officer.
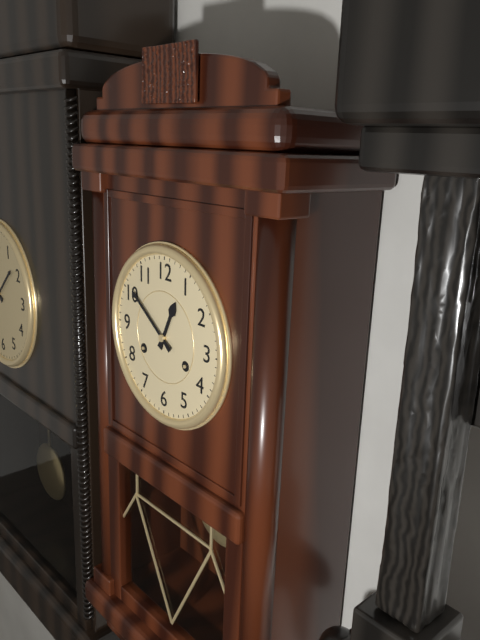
12:51
